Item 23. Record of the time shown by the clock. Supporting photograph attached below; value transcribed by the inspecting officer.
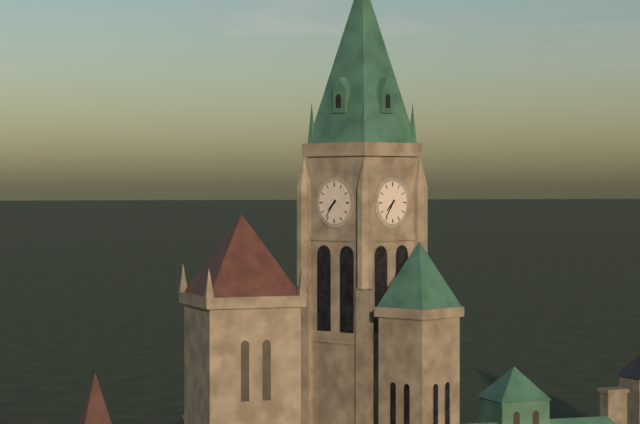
7:36
